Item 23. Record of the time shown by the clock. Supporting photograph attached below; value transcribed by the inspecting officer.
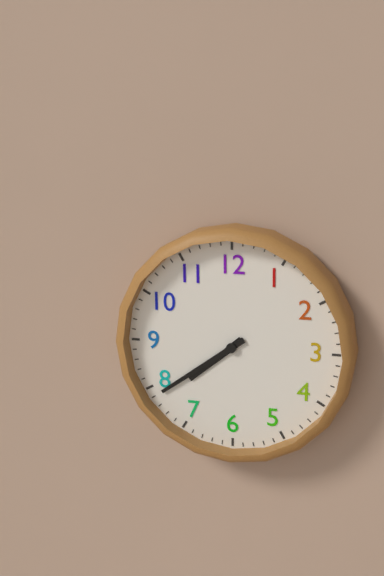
7:39
